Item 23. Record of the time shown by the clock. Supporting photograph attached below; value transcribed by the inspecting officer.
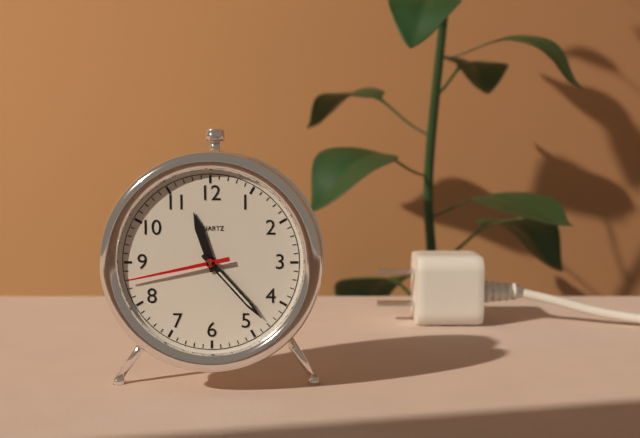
11:23:43
